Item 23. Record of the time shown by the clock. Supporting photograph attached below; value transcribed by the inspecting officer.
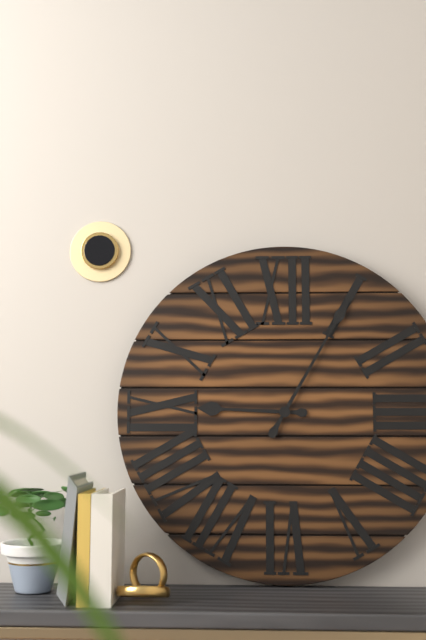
9:05
